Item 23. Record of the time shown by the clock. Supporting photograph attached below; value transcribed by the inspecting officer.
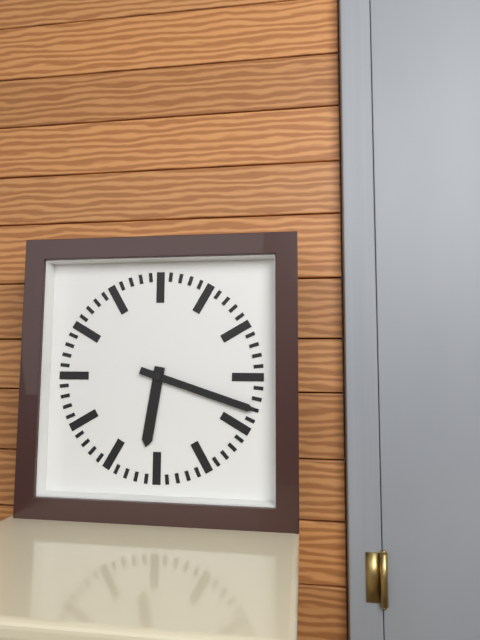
6:18
